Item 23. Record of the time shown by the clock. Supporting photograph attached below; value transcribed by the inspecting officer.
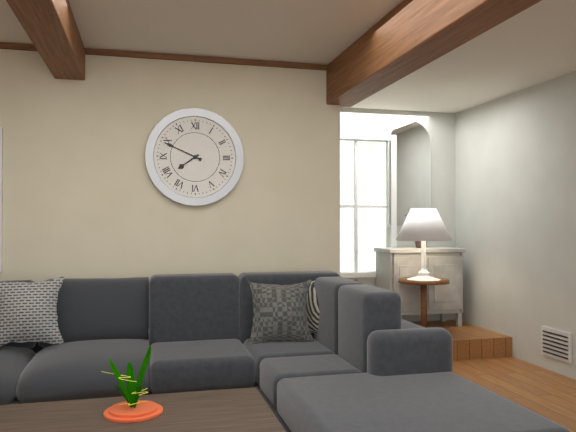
7:49
